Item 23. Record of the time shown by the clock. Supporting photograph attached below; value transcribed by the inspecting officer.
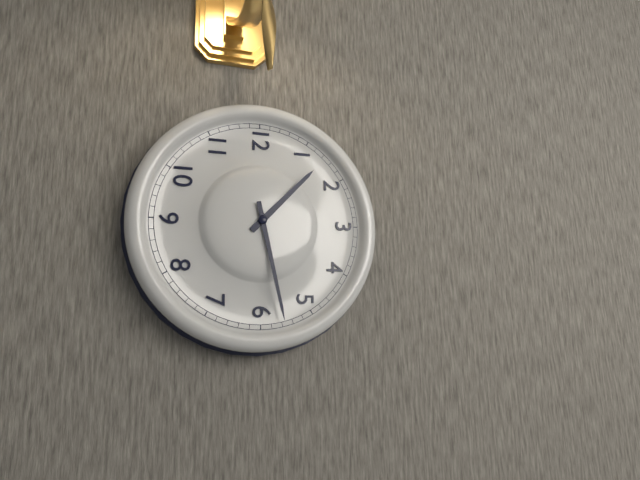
1:28
